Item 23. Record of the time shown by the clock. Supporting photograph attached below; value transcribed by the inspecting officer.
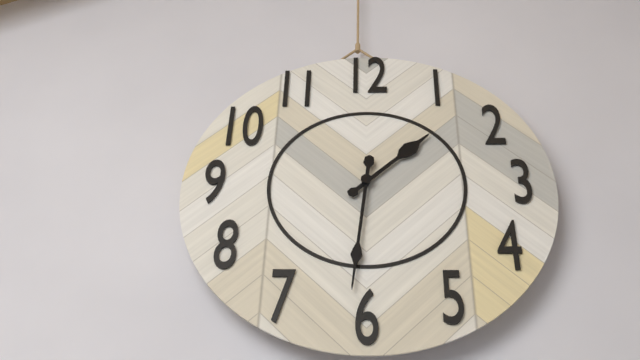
1:31
